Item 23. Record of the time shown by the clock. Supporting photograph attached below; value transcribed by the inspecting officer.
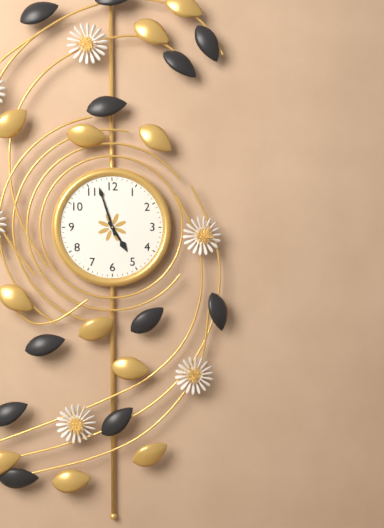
4:57
